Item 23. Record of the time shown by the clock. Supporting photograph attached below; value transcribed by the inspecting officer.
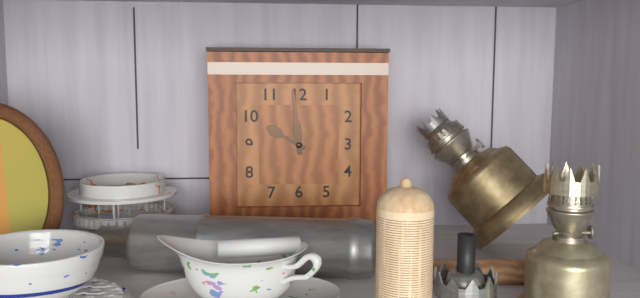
9:59
